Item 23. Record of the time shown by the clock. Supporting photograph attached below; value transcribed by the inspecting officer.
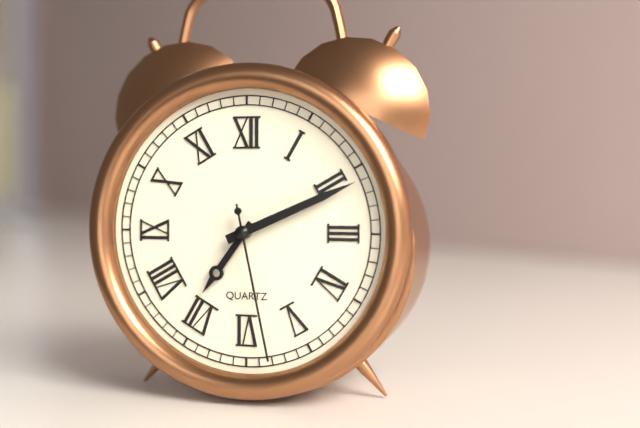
7:11:28
